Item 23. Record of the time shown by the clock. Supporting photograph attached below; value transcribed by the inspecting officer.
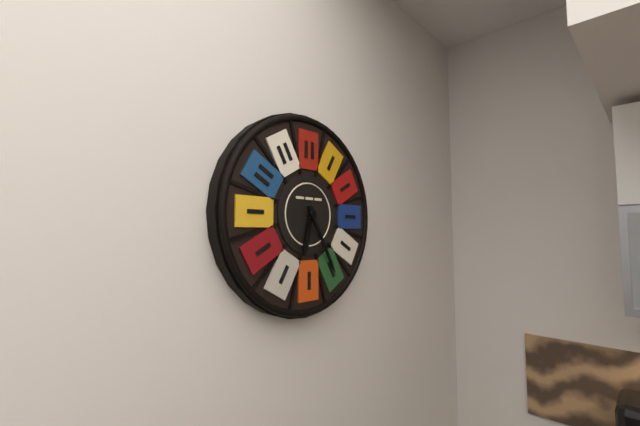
6:25
